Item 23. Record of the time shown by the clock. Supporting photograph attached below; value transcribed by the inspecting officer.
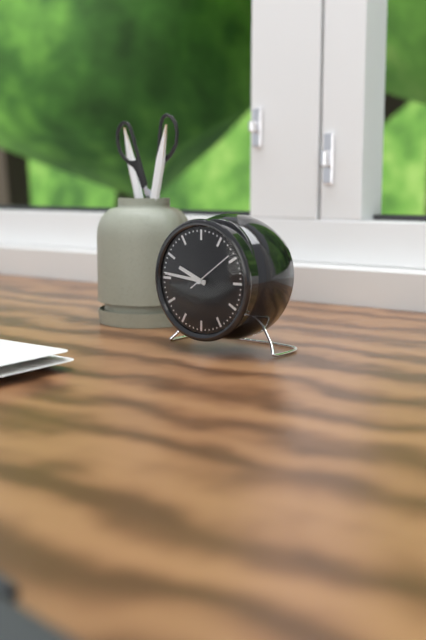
9:46
